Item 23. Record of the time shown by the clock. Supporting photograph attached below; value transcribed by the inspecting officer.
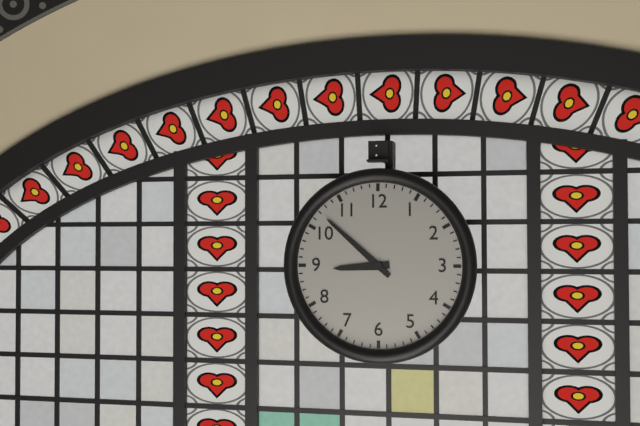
8:52
